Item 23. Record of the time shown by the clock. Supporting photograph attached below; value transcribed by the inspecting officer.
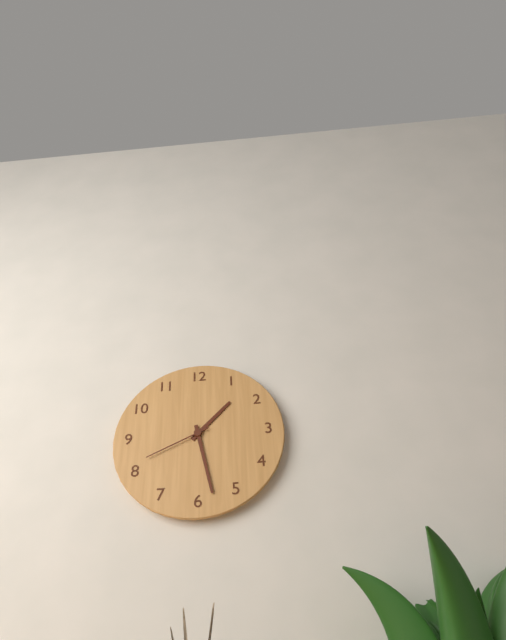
1:28:41
